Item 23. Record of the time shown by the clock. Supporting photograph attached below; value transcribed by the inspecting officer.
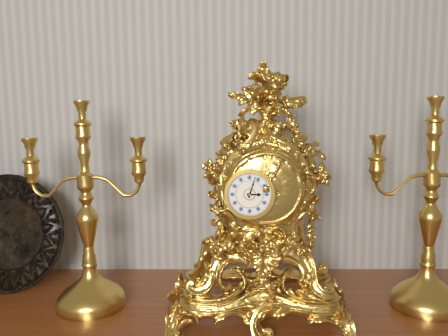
3:03
